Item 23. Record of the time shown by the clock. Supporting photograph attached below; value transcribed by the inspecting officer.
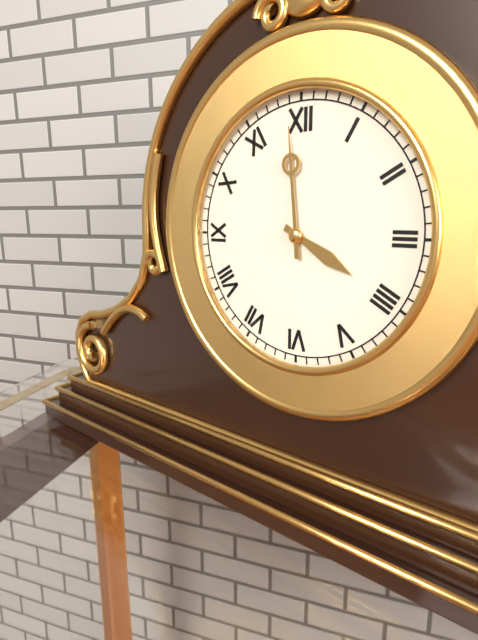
3:59
